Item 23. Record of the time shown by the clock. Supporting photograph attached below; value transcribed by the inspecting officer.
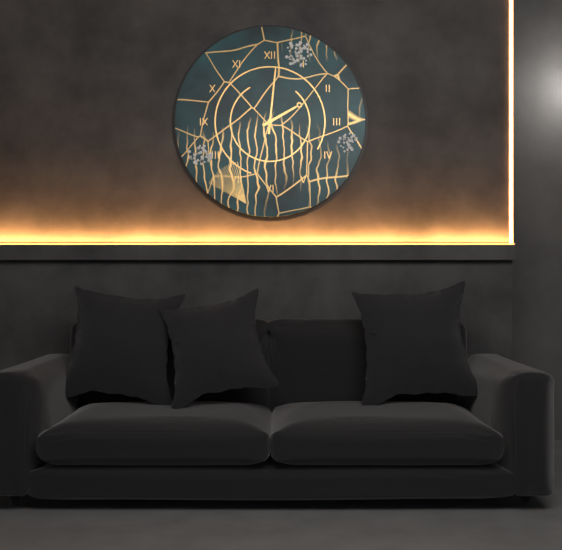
2:01
